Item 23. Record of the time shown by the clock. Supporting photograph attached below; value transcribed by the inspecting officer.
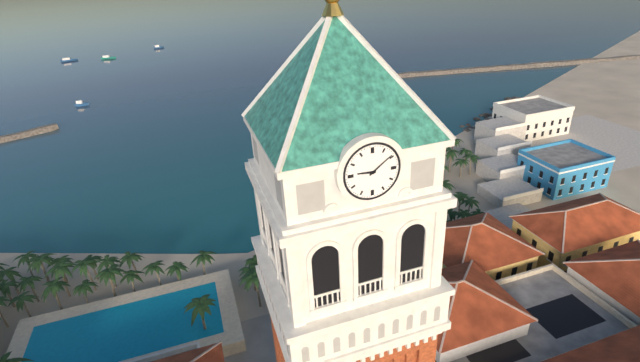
9:09
